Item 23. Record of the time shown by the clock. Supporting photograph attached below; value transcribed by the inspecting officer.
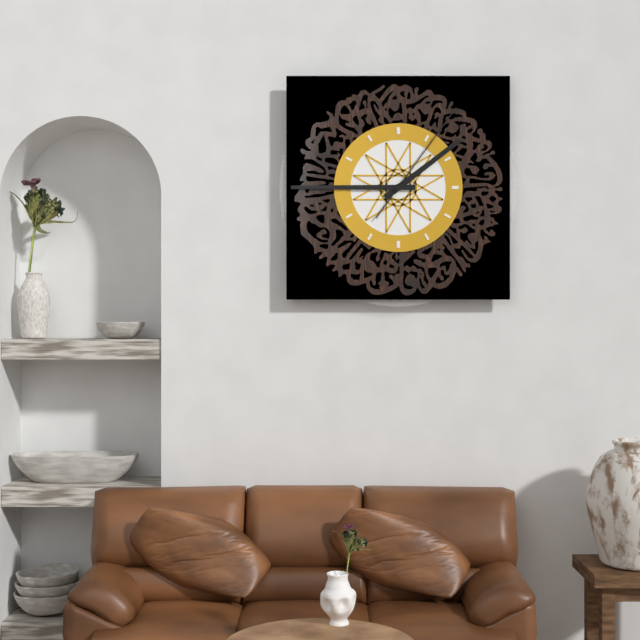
1:45:06
